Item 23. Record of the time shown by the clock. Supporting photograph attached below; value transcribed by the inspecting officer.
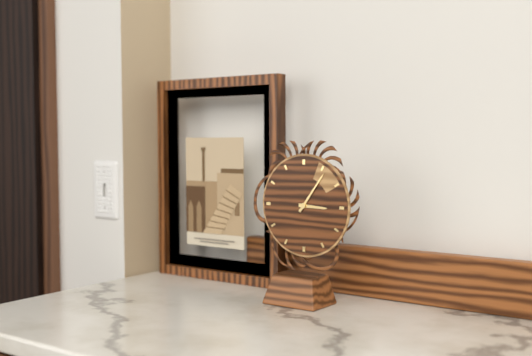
3:06
